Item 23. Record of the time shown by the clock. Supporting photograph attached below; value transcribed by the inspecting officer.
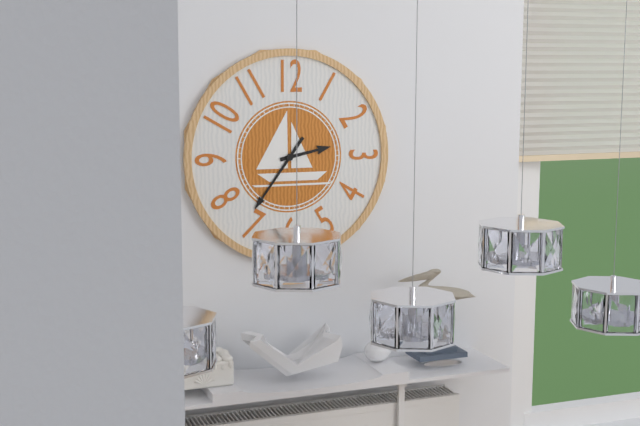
2:36
